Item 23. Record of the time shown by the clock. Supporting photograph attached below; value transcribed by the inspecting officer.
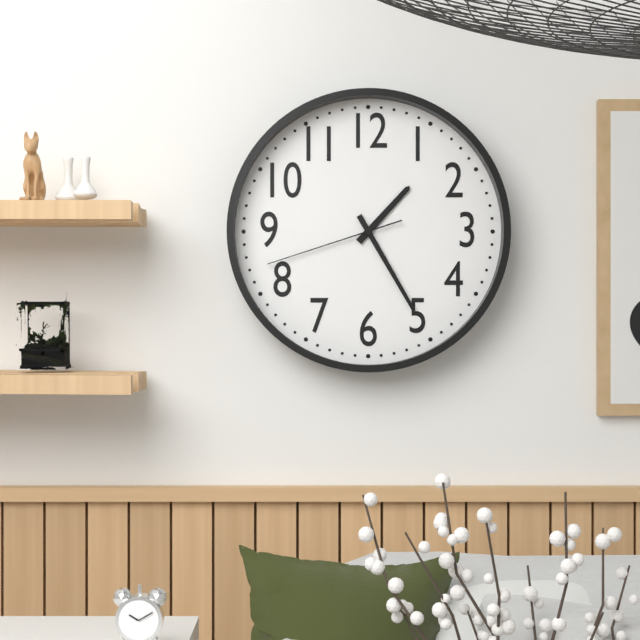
1:25:42
